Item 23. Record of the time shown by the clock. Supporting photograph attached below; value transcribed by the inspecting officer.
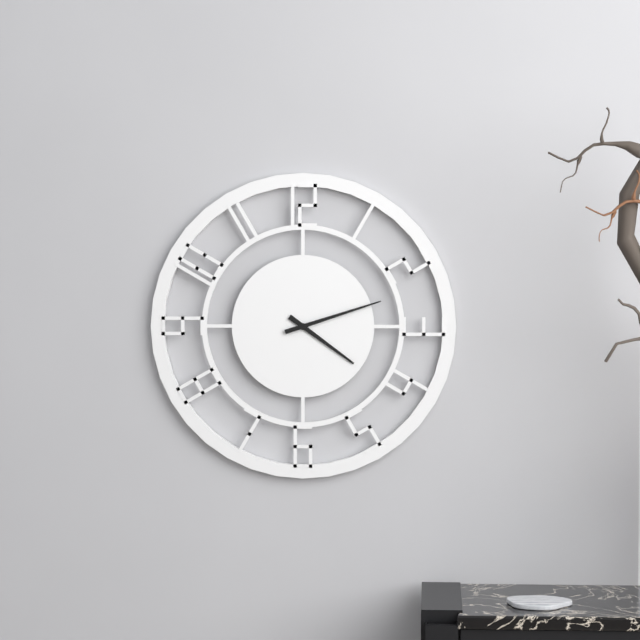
4:12
